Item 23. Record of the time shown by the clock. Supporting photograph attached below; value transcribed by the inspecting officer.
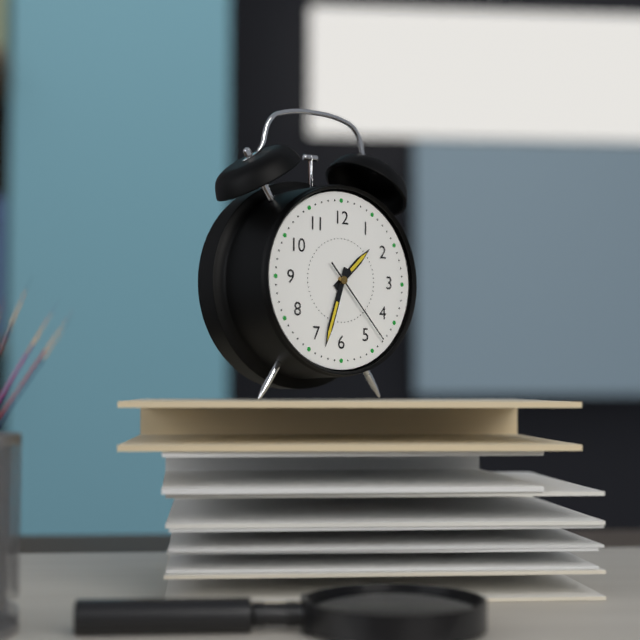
1:33:23
